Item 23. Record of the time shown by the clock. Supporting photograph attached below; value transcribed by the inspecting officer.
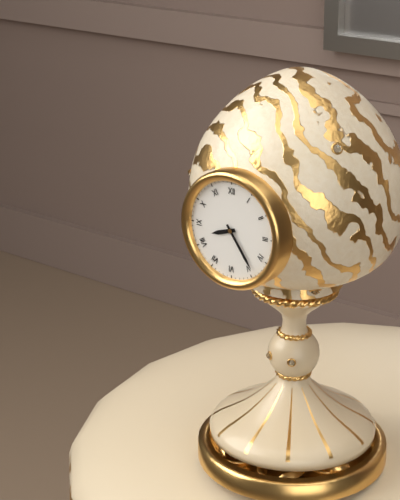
8:24
